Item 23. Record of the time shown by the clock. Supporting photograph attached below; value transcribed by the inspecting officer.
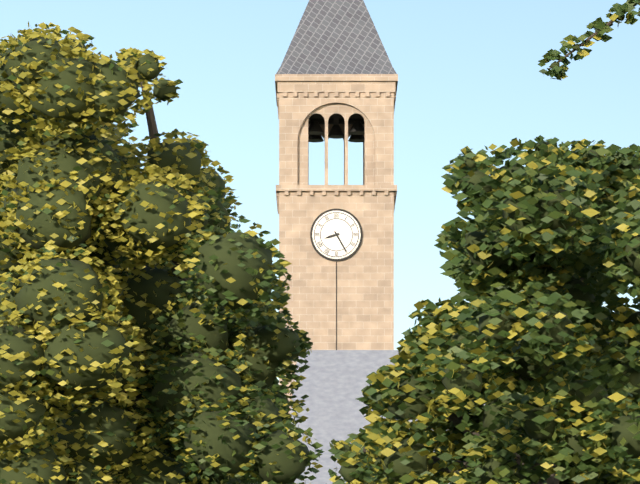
8:25
